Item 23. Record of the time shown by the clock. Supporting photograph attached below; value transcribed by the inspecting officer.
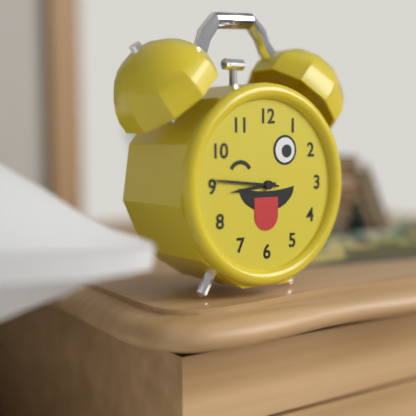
8:46
